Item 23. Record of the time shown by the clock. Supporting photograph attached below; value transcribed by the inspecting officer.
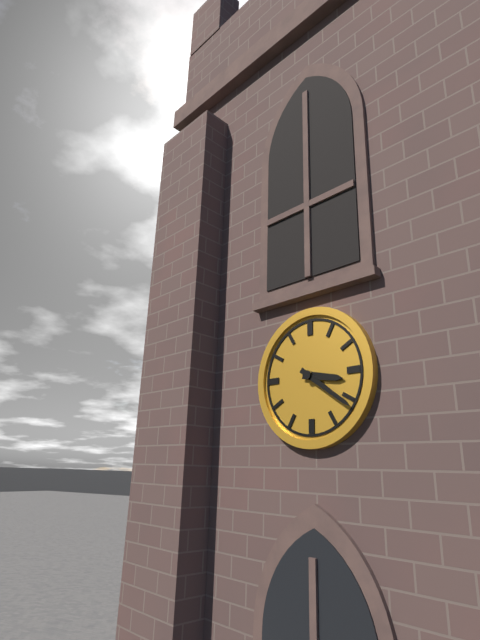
3:21
